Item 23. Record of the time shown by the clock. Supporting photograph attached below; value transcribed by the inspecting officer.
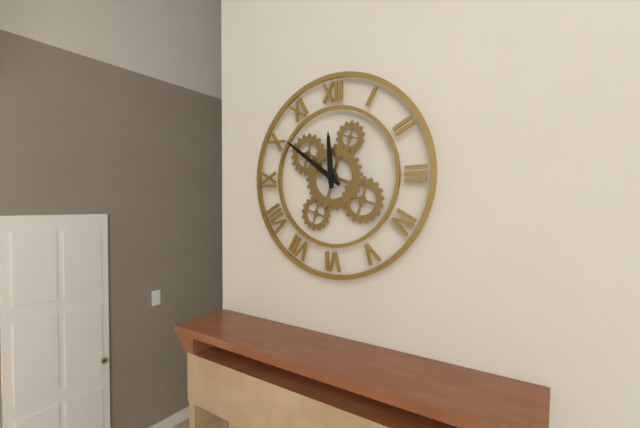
11:51
